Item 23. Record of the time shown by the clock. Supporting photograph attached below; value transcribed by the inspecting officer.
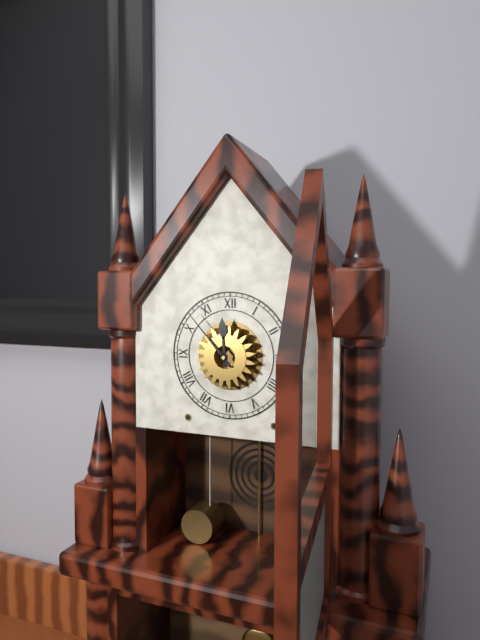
11:53
